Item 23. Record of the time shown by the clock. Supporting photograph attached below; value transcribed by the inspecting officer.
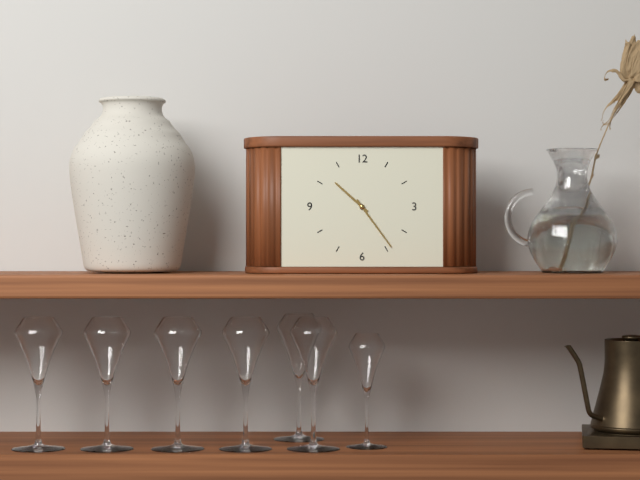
10:24
